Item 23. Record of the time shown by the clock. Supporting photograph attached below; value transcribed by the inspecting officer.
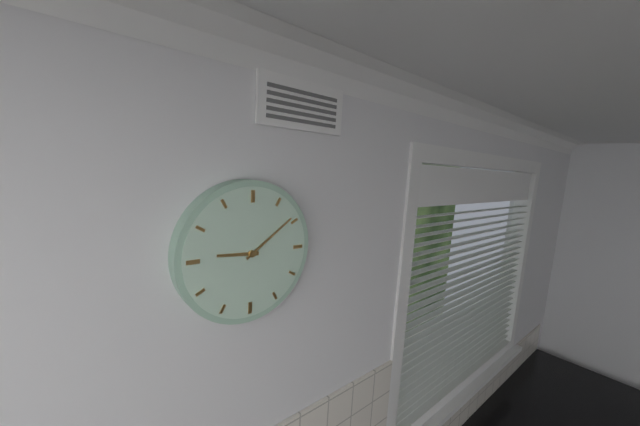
9:09
